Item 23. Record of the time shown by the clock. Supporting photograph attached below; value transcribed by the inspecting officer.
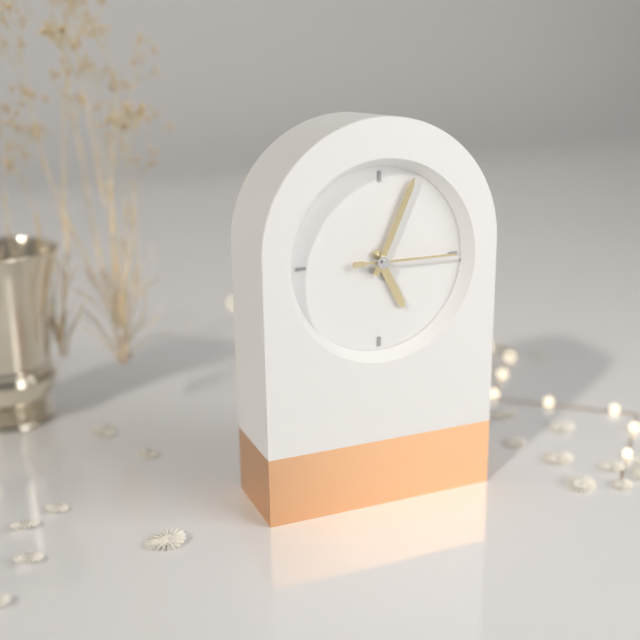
5:04:15
